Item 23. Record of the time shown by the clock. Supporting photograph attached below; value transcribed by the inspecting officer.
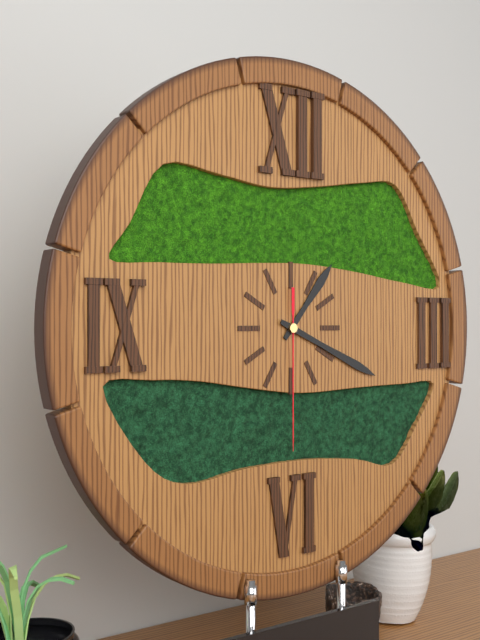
1:19:30
